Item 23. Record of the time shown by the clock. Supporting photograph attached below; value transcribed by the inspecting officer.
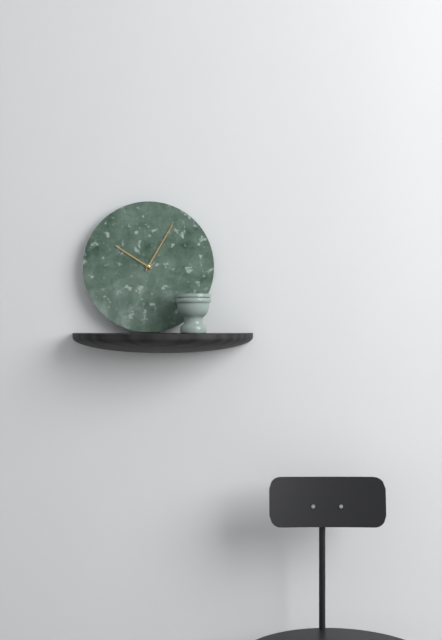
10:05
